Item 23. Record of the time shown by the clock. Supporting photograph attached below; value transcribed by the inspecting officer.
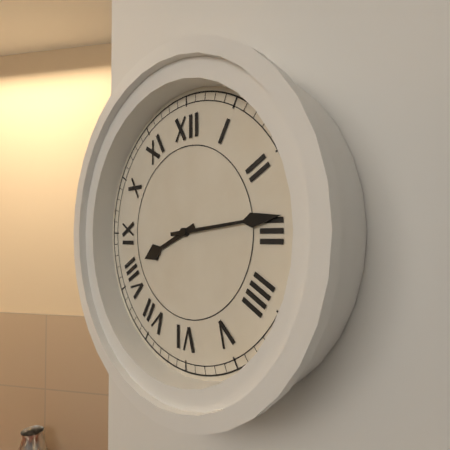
8:14
